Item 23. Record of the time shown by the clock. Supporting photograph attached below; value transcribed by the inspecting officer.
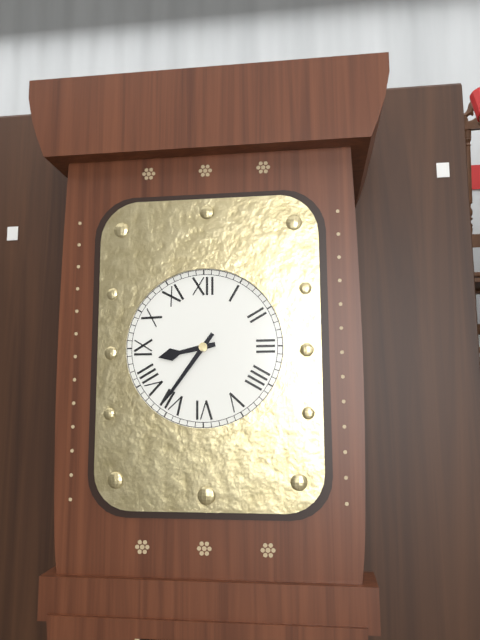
8:36
